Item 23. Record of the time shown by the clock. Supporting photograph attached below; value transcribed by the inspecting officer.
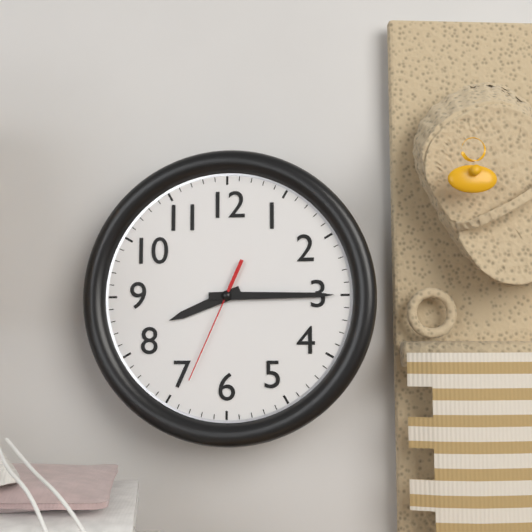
8:15:34
